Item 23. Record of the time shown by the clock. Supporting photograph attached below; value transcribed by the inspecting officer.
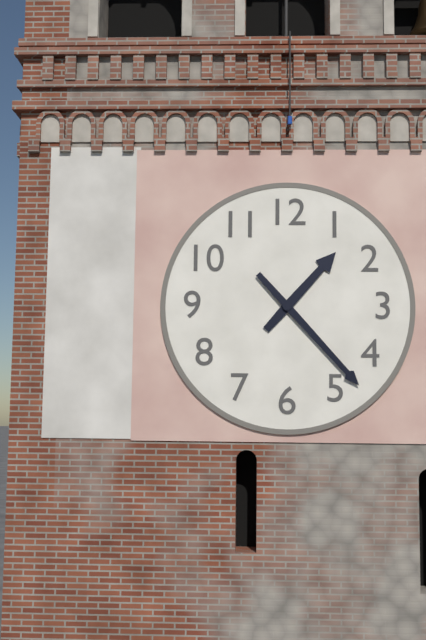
1:23
